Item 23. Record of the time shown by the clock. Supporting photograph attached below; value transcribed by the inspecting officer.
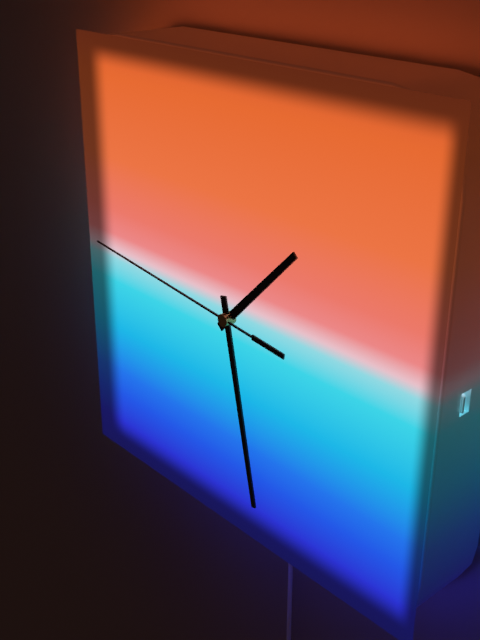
1:28:46
